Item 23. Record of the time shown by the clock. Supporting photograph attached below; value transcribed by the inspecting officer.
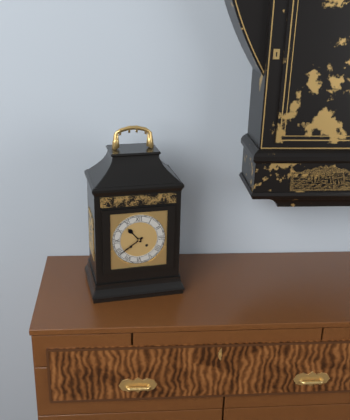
10:39
